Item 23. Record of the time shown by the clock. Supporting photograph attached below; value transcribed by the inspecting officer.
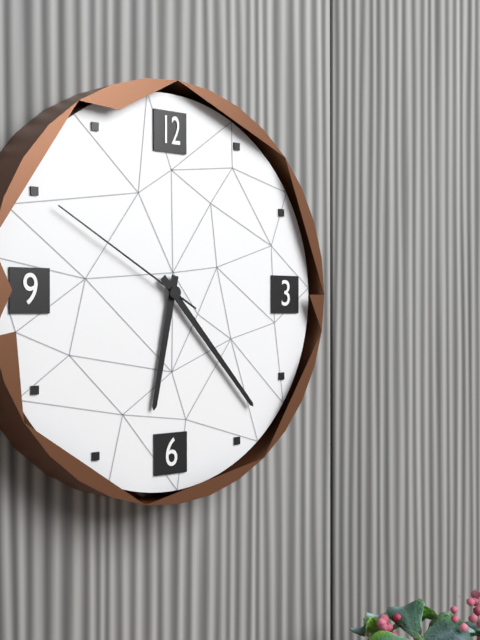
6:23:50
